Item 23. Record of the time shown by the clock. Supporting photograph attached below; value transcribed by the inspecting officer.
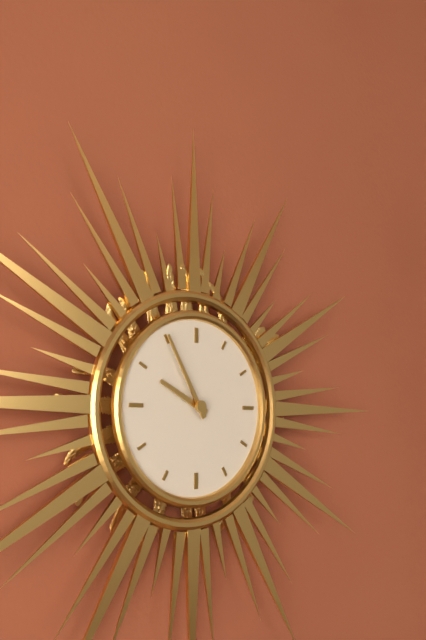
9:55
